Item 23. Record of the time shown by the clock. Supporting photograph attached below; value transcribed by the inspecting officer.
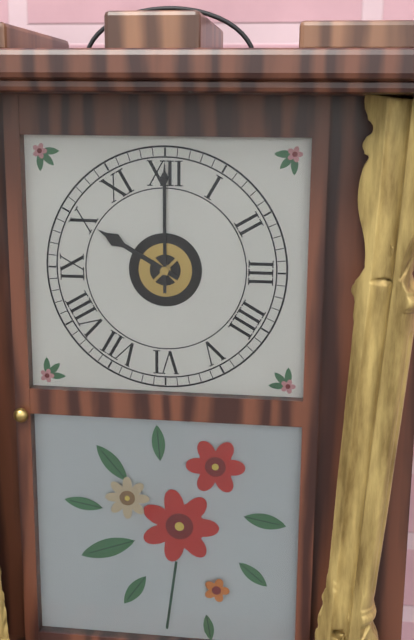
10:00
